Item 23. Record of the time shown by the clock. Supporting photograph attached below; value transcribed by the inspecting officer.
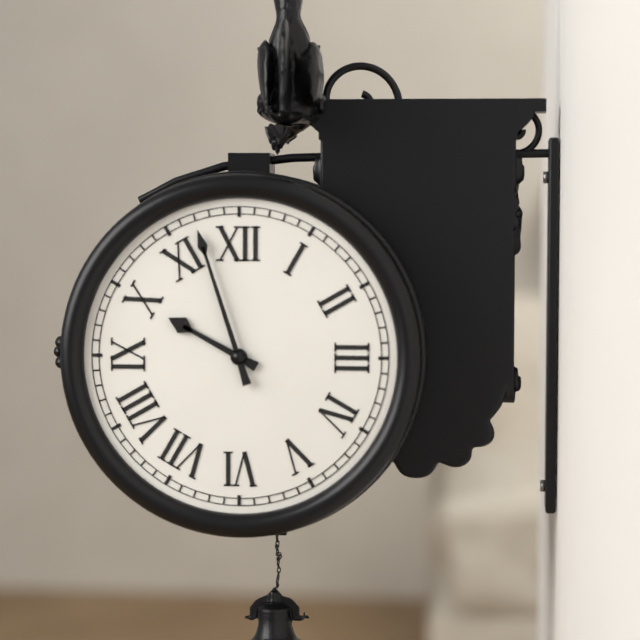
9:57
